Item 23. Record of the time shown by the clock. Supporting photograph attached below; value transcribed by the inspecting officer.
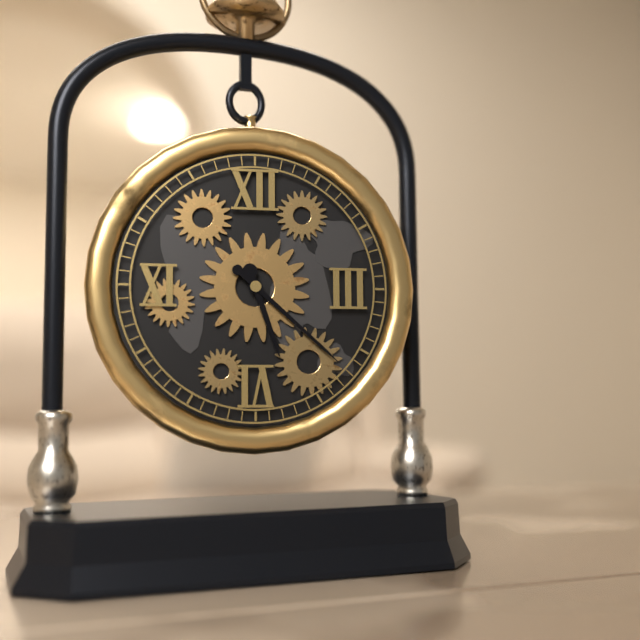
5:22
